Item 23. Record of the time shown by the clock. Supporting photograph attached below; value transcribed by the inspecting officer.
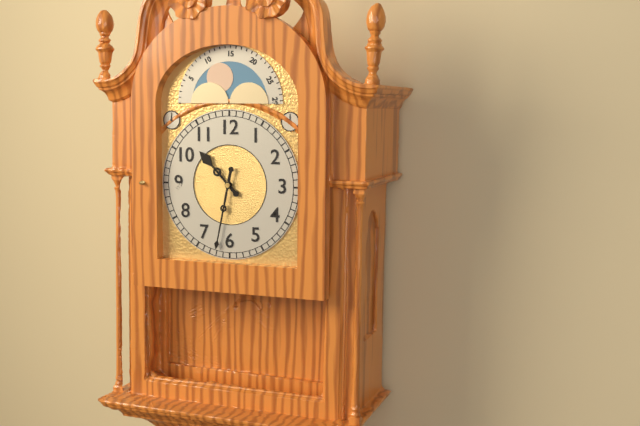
10:32
